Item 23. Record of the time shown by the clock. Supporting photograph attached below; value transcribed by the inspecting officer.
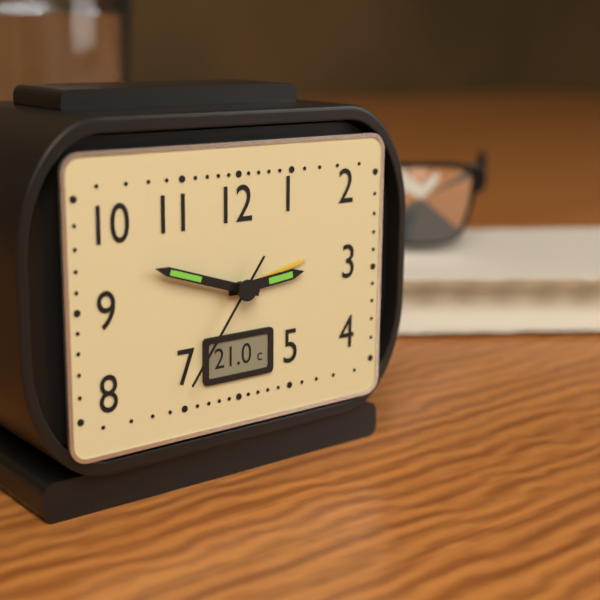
2:48:36
